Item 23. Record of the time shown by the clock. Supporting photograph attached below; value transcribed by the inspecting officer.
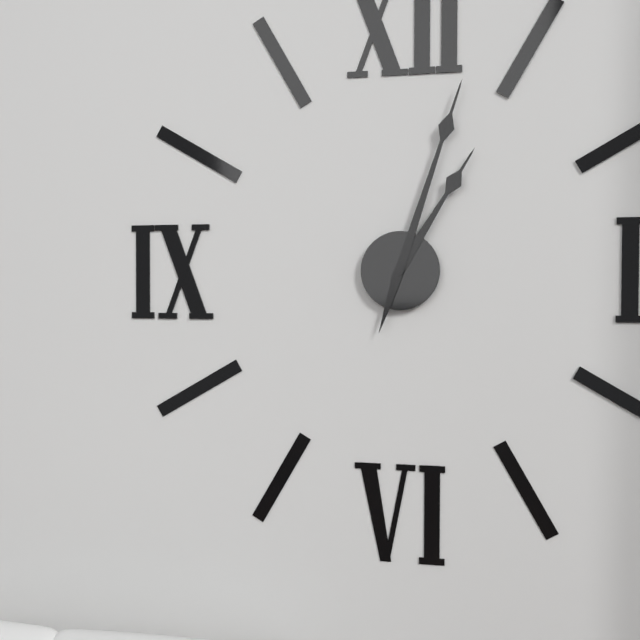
1:03
